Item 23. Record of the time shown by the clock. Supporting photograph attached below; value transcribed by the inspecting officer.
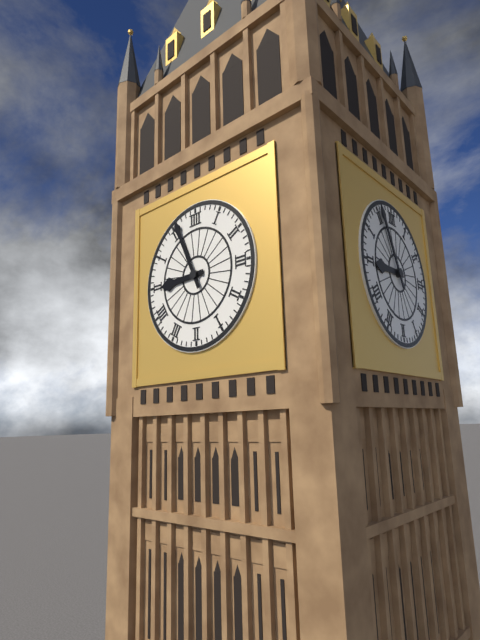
8:56
